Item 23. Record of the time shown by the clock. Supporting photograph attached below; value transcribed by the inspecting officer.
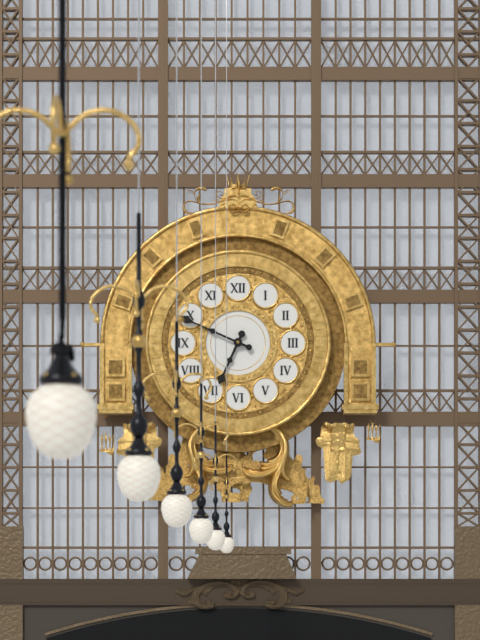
6:49
